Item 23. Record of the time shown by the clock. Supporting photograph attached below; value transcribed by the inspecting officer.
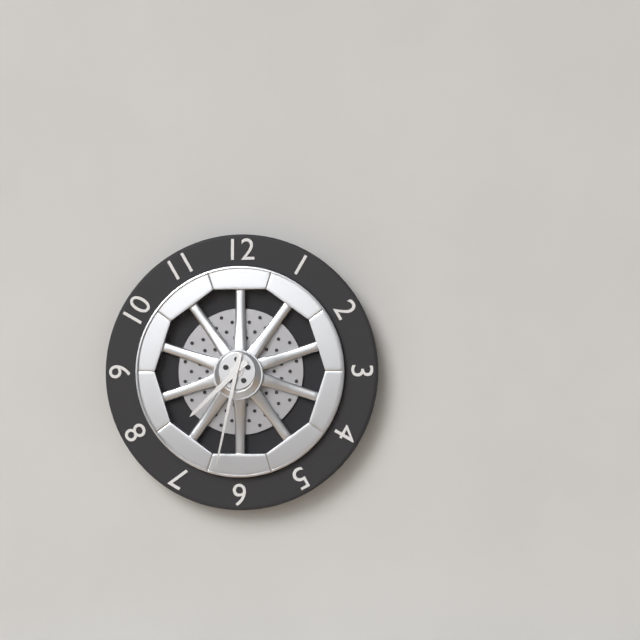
7:32
